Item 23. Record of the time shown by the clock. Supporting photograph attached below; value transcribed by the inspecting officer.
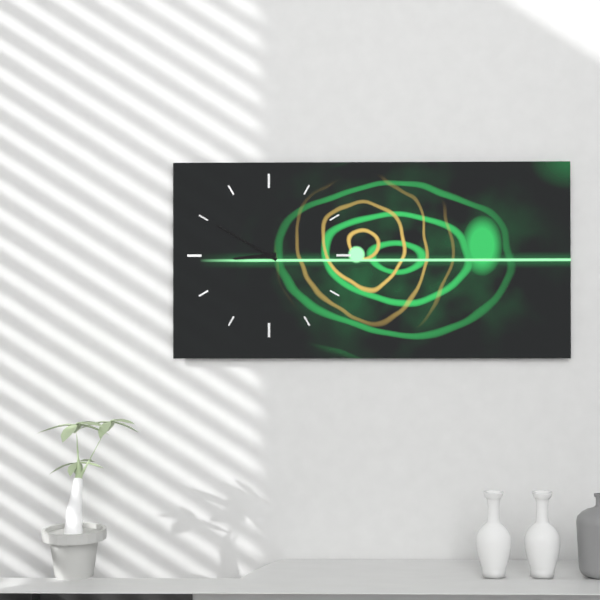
8:50
